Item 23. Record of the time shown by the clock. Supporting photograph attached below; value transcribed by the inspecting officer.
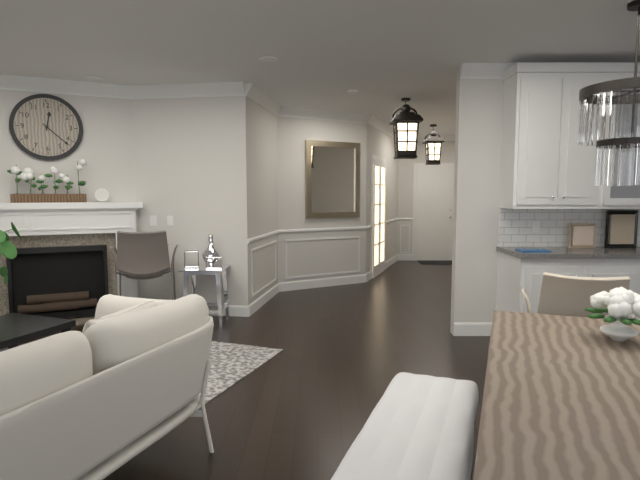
12:22
